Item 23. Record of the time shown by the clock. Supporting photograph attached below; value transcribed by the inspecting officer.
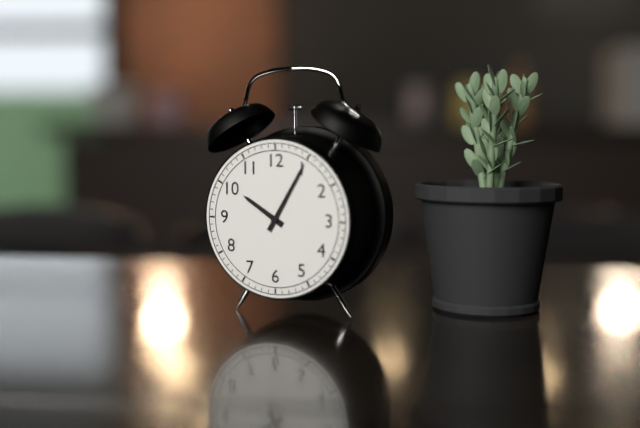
10:05
